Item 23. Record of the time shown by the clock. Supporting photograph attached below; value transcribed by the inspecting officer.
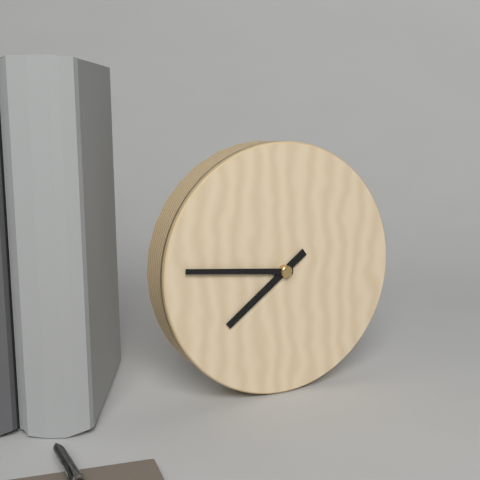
7:46
